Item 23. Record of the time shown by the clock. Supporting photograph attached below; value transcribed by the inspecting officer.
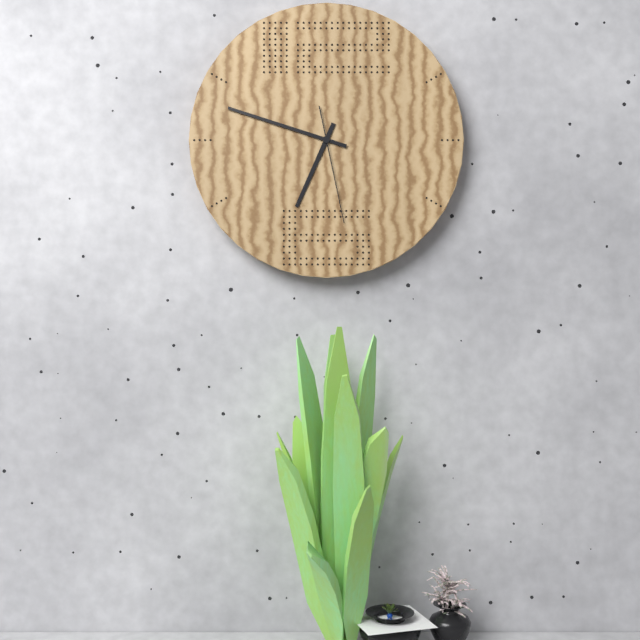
6:48:28
